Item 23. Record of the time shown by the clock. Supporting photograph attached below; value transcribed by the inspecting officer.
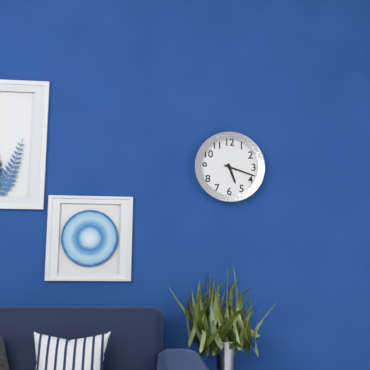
5:18
